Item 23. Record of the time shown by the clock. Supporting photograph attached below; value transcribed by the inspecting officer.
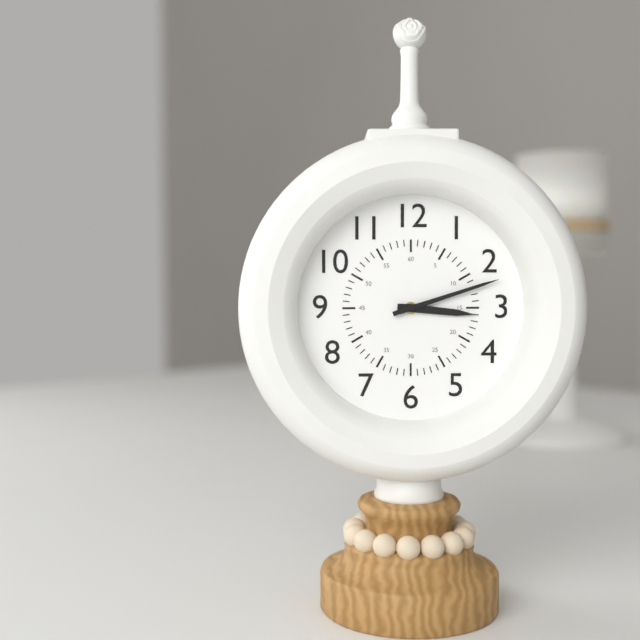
3:12
